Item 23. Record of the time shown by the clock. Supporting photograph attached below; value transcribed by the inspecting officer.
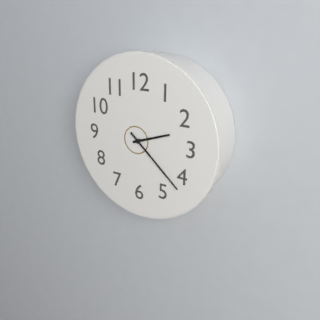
2:22
